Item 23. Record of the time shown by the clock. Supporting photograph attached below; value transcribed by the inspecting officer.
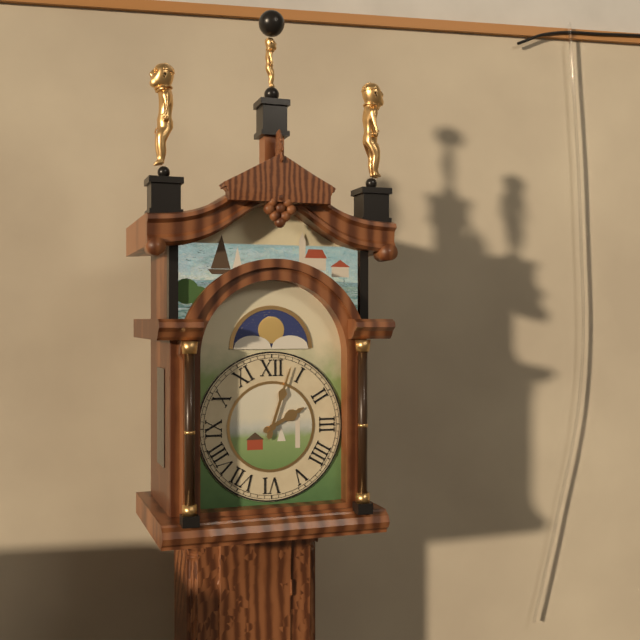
2:03
